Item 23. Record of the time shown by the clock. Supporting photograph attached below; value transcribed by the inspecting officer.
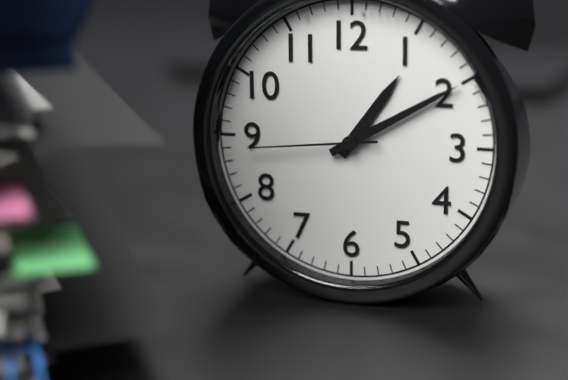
1:10:44
